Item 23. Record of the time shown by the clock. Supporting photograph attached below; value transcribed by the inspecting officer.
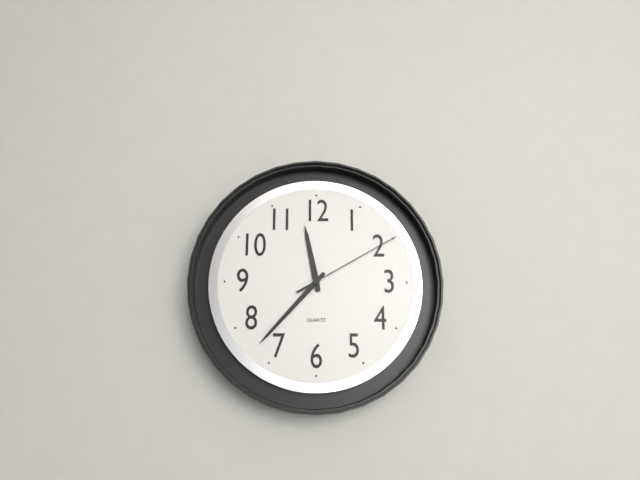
11:37:10
